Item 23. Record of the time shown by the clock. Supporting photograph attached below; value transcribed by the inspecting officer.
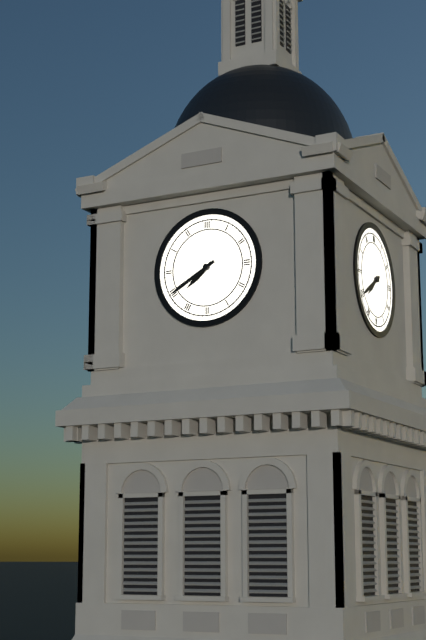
7:40
